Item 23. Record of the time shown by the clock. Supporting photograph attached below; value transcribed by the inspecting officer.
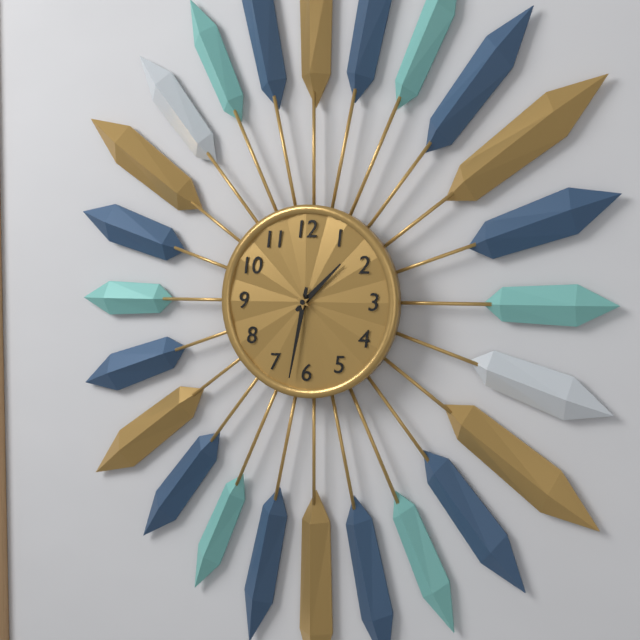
1:32
